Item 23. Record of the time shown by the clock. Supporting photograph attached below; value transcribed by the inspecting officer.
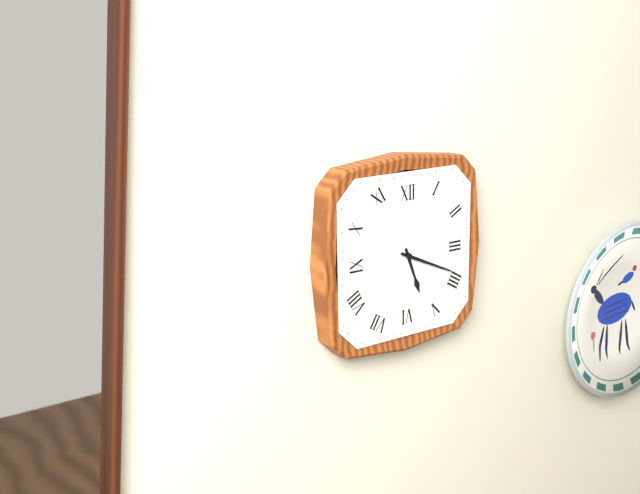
5:19
